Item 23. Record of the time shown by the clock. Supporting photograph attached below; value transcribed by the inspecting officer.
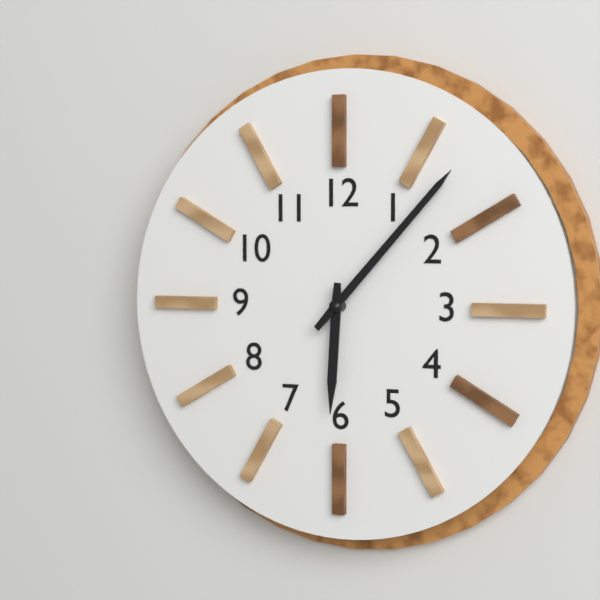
6:07
